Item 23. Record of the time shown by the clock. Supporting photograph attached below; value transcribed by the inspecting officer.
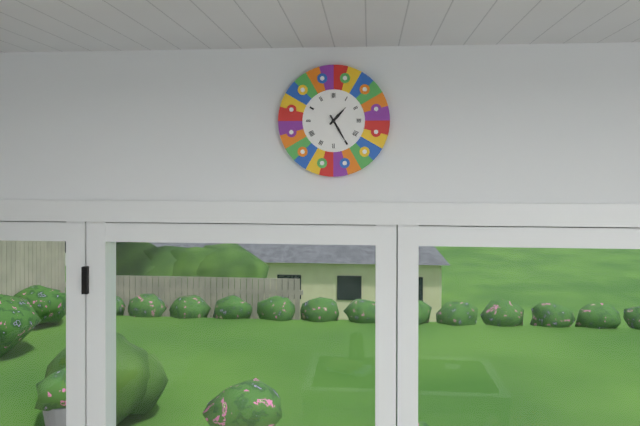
1:25
